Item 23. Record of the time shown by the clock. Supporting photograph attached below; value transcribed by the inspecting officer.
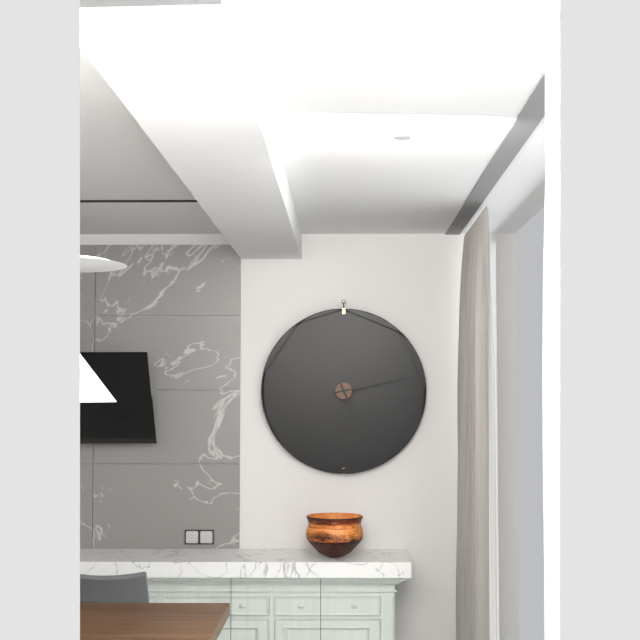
5:13
